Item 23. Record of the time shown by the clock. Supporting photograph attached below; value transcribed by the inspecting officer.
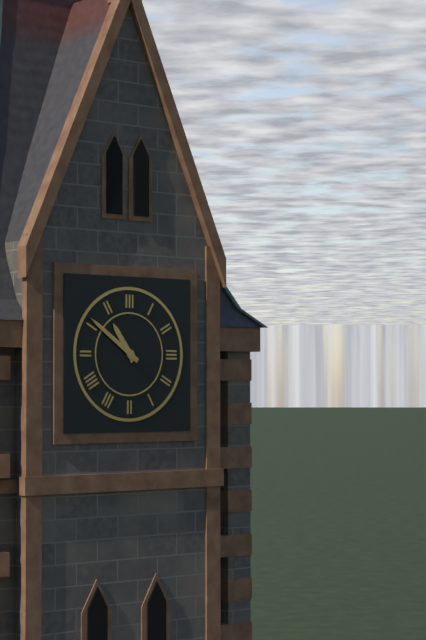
10:51
